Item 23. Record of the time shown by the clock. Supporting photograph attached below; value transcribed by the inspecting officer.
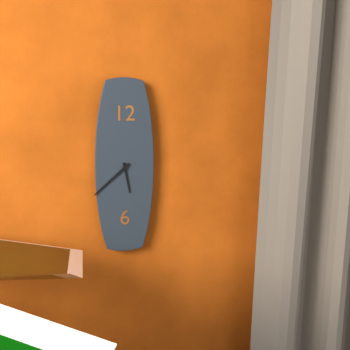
5:38
